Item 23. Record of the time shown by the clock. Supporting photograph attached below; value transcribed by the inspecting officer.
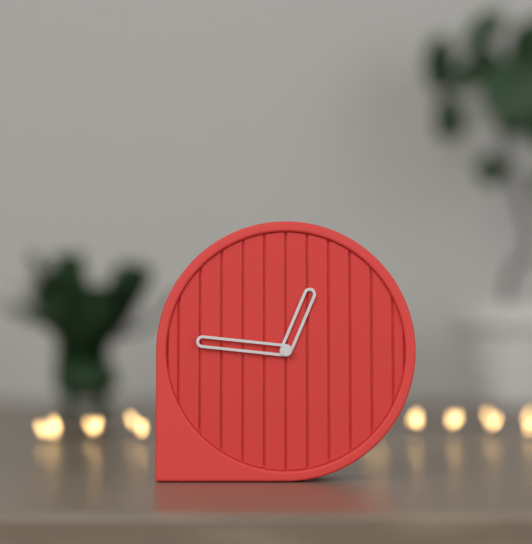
12:46
